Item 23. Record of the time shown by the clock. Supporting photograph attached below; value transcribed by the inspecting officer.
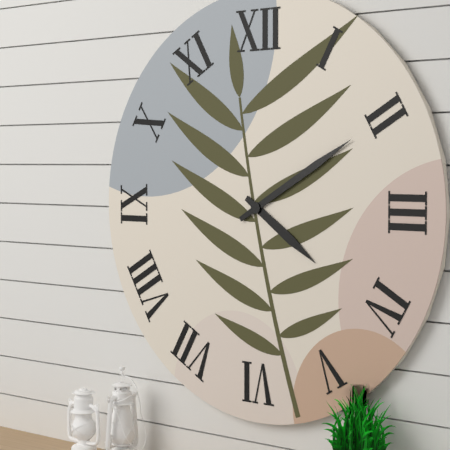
4:10
